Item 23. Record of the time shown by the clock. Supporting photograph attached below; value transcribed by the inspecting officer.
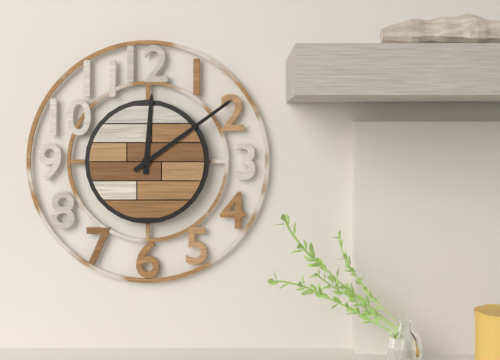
12:09
